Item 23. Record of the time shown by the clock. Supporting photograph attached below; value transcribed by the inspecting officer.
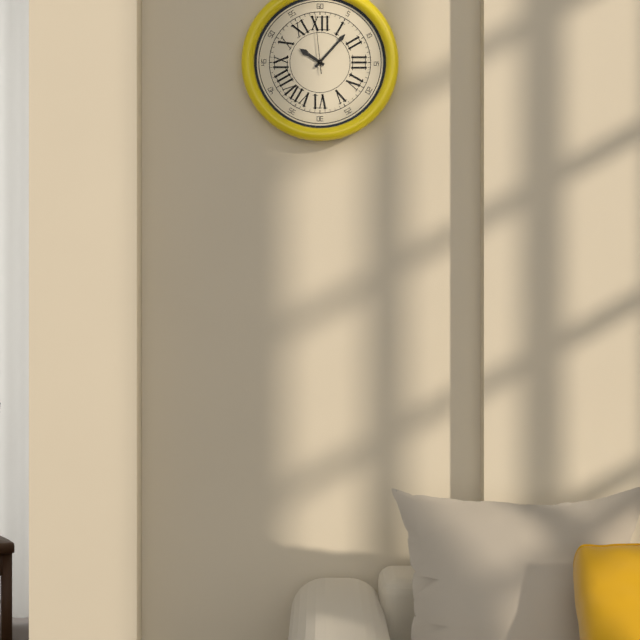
10:07:59
